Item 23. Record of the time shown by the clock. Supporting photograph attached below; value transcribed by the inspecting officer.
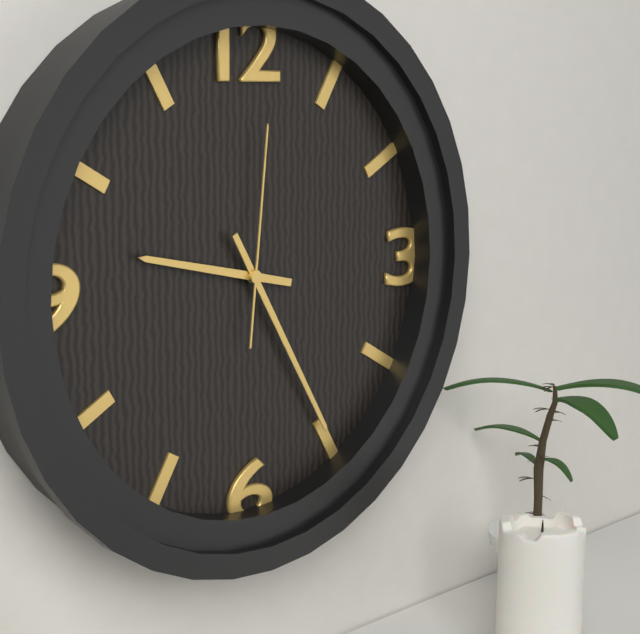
9:25:01
